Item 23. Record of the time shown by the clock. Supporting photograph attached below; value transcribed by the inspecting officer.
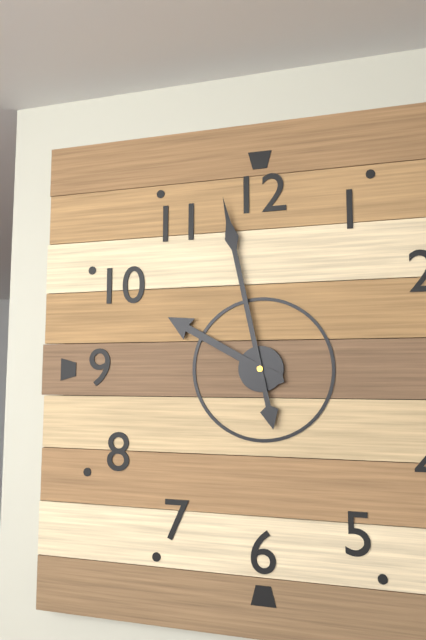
9:58
